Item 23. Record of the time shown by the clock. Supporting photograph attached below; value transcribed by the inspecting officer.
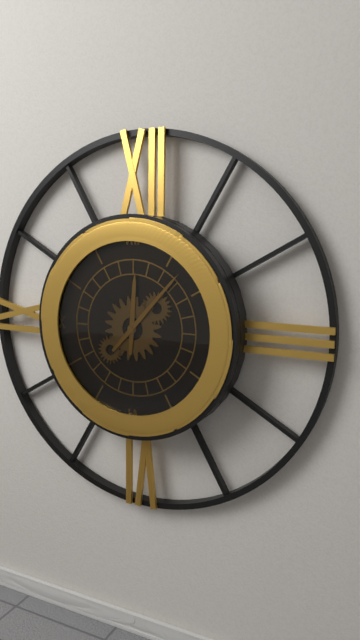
12:07
